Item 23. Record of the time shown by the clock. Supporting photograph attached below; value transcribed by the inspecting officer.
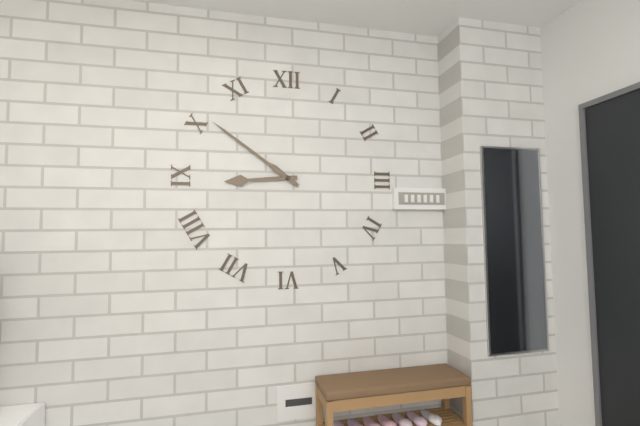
8:51
